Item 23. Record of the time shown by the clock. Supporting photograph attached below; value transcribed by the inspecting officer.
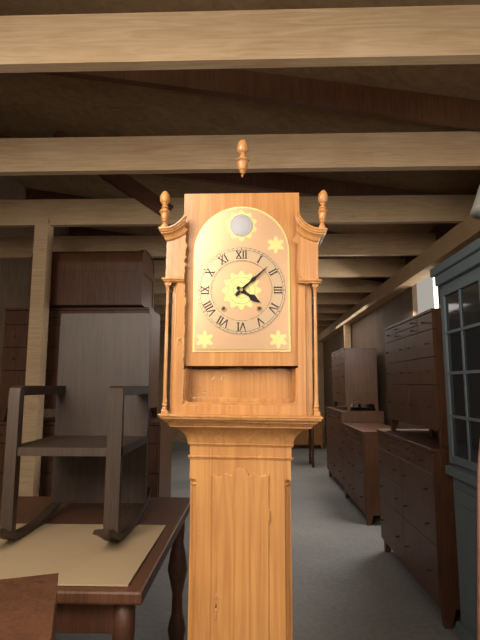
4:08
